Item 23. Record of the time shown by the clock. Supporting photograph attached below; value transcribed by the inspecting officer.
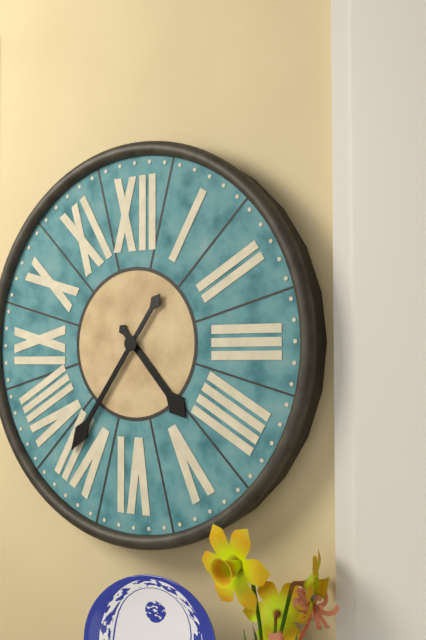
4:36
